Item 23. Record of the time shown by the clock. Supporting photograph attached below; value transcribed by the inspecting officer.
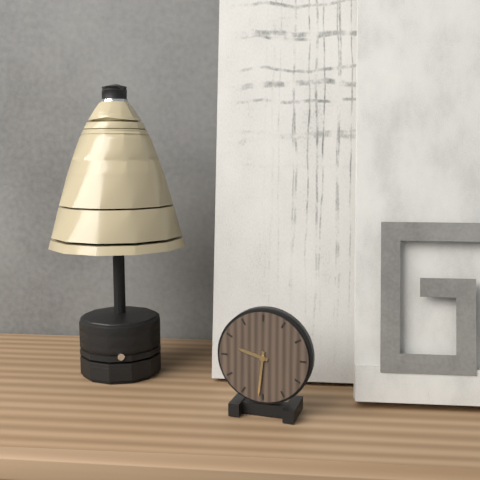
9:31
